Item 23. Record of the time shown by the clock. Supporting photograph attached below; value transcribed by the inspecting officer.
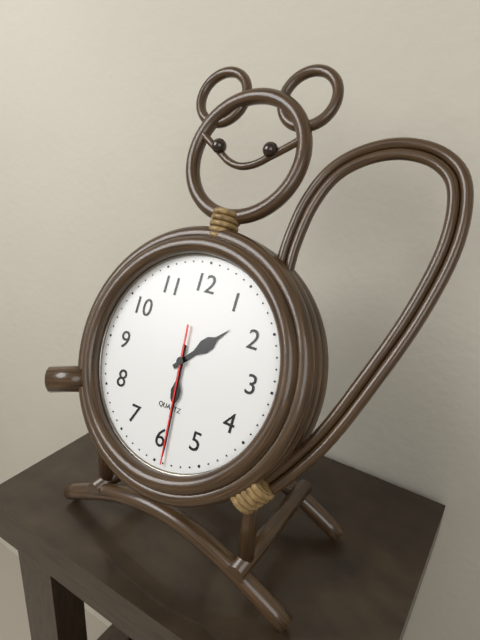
1:29:29
